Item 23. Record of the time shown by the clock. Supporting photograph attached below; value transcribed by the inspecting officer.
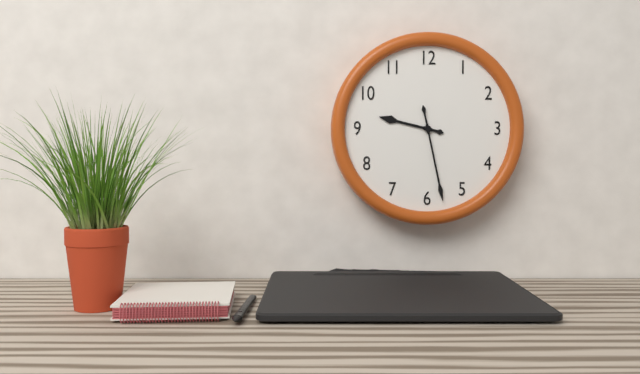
9:28
